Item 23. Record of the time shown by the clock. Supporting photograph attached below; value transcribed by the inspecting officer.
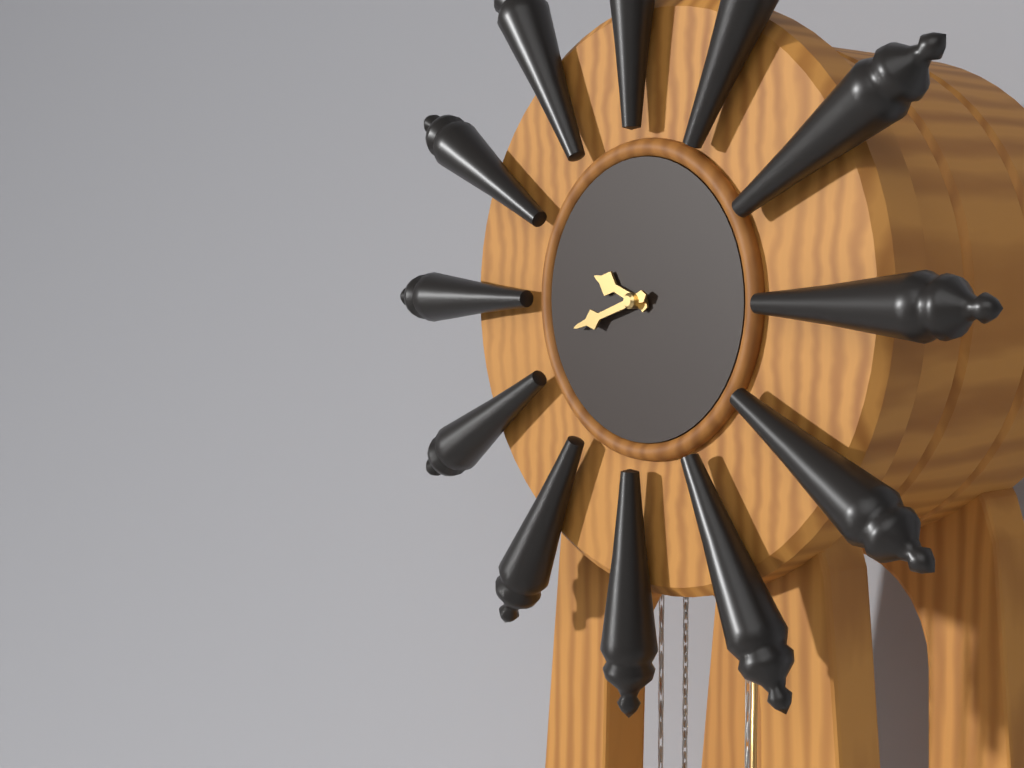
9:42
